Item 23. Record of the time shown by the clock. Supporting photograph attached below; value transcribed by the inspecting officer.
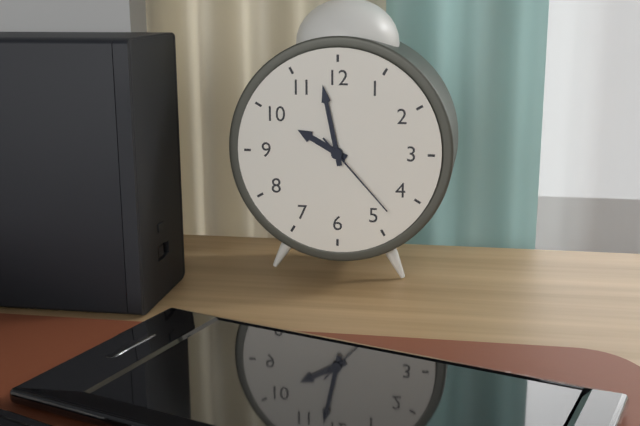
9:58:23
